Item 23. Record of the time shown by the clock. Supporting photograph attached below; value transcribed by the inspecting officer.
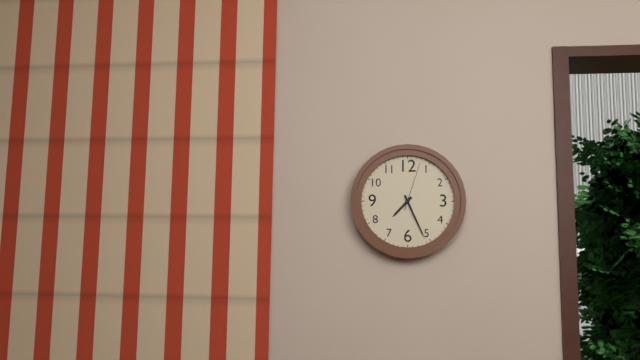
7:26:03
